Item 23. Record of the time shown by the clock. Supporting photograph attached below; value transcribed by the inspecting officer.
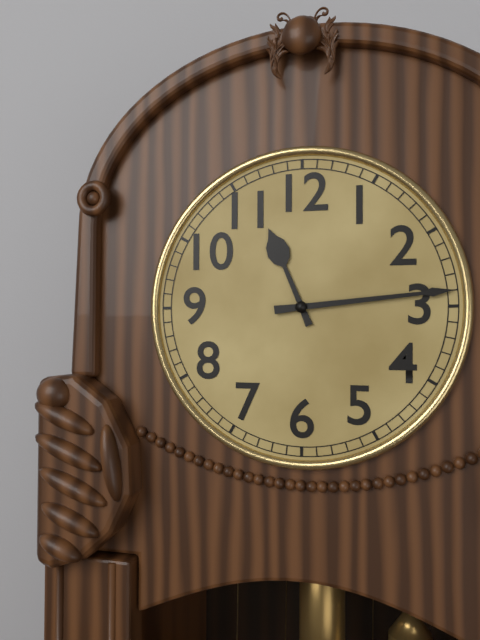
11:14
